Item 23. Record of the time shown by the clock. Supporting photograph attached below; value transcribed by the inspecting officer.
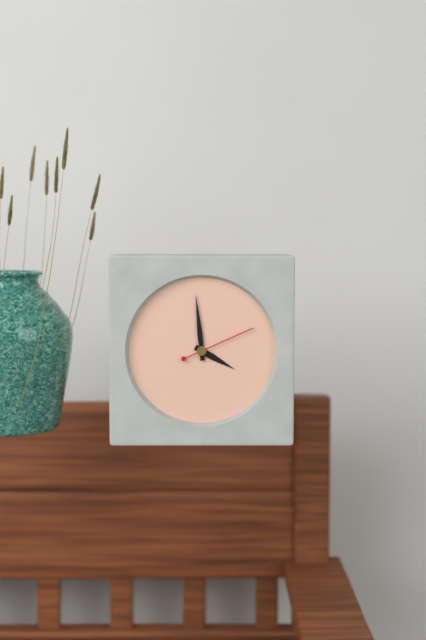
3:59:11
